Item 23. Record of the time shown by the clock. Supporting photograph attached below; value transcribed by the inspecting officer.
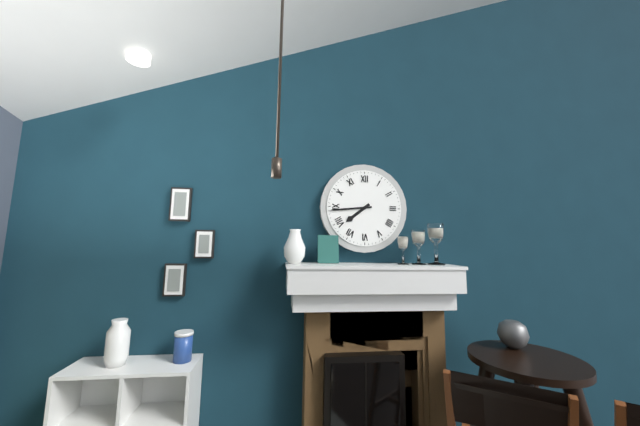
7:44
